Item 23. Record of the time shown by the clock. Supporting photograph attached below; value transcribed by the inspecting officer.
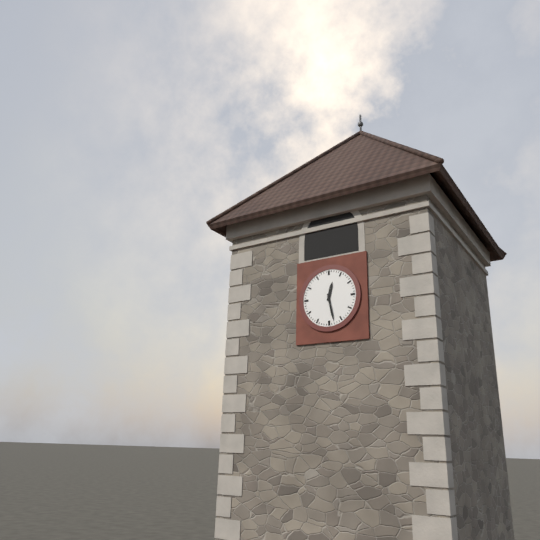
12:28
